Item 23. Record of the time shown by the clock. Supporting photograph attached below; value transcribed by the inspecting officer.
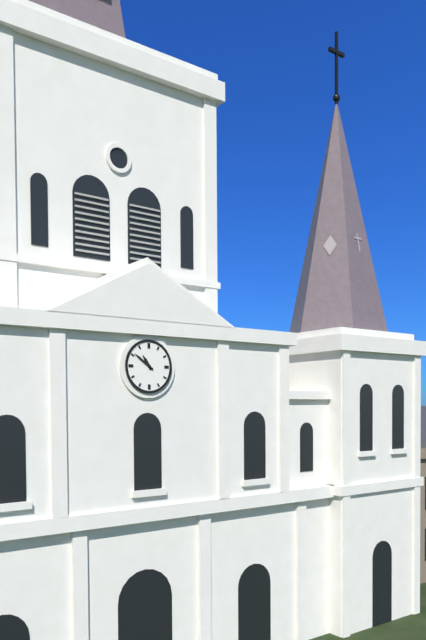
10:51
